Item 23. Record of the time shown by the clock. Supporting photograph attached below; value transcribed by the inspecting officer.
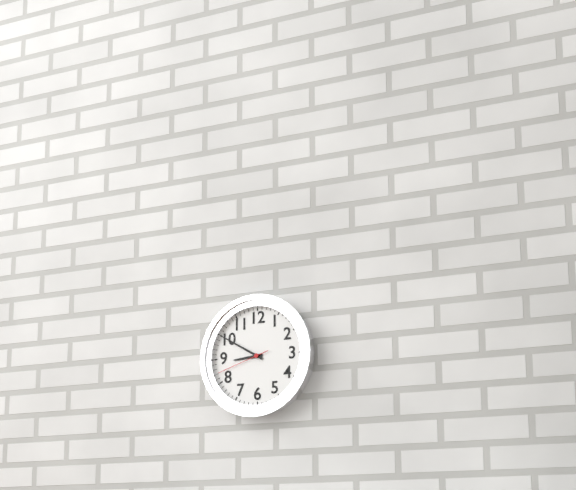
8:50:42
